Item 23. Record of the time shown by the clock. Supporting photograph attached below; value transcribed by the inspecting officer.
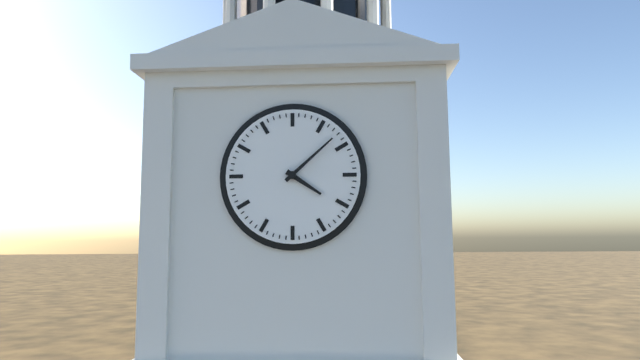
4:08
